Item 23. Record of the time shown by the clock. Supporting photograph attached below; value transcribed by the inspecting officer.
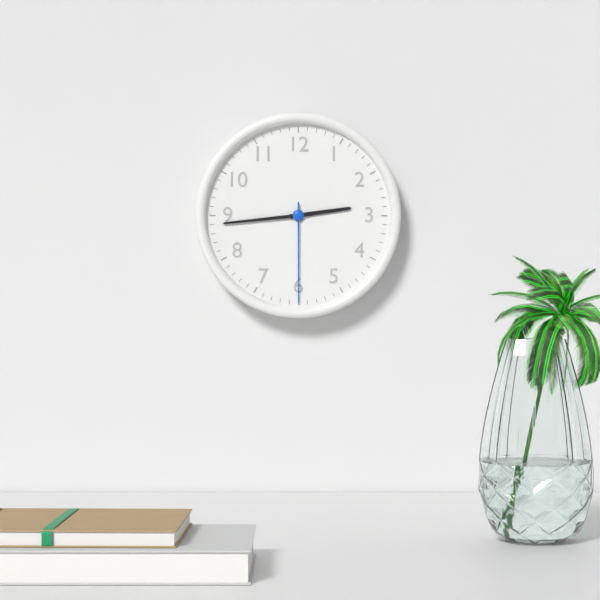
2:44:30
